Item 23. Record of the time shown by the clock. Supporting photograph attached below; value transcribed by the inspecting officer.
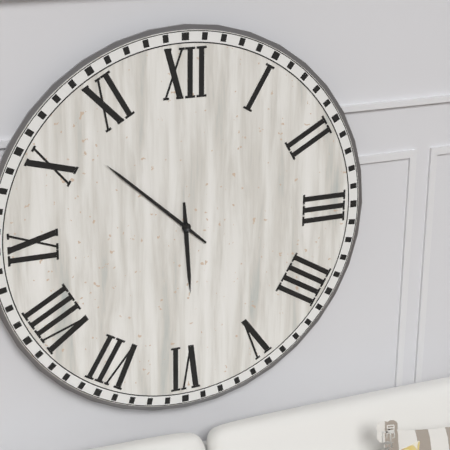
5:52
